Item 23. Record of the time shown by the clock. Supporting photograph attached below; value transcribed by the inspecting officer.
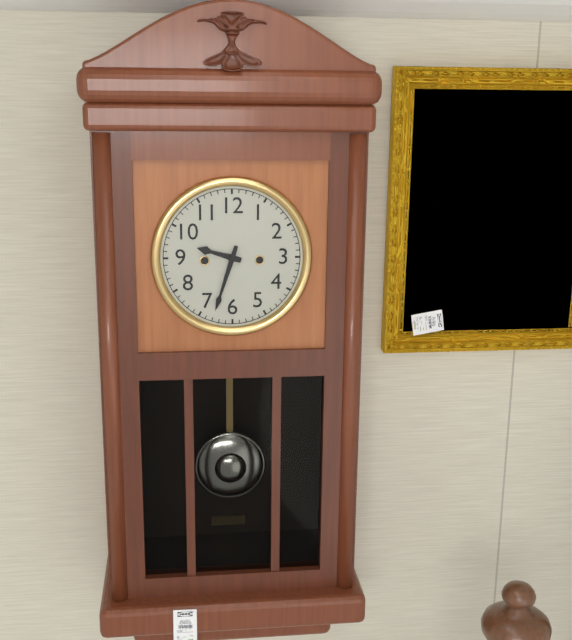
9:33
